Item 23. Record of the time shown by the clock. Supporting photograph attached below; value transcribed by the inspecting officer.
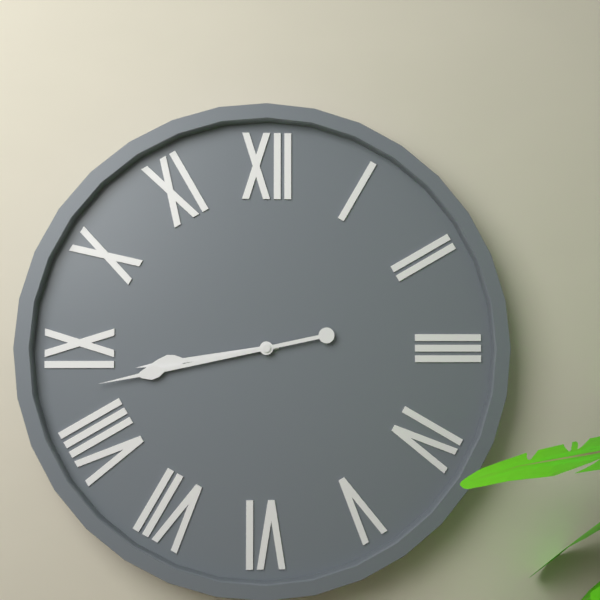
8:43
